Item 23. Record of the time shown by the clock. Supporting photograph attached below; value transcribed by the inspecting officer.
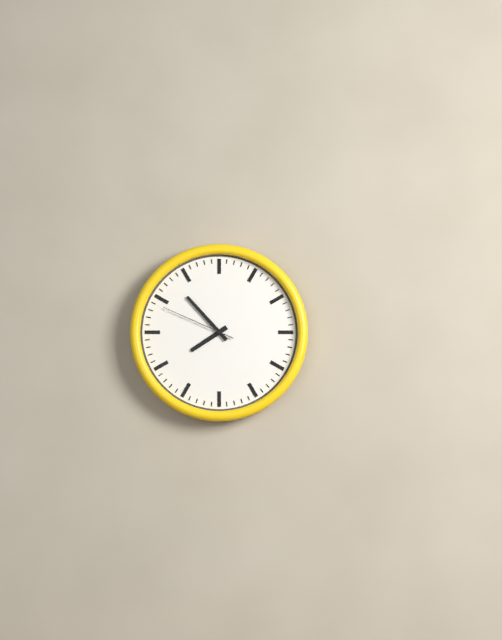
7:53:49
